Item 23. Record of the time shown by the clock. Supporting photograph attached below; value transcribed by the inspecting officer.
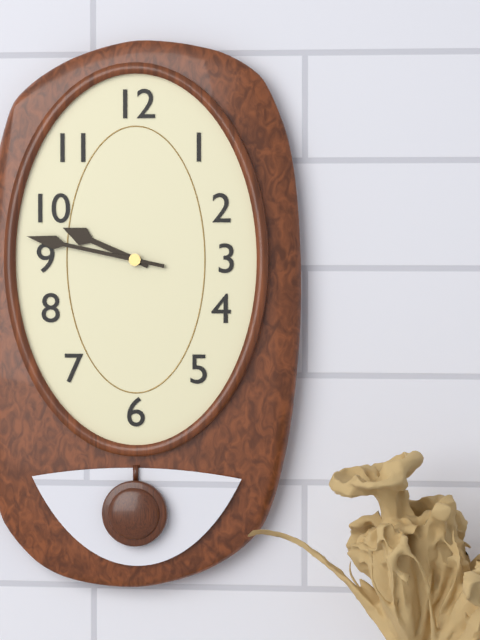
9:47
